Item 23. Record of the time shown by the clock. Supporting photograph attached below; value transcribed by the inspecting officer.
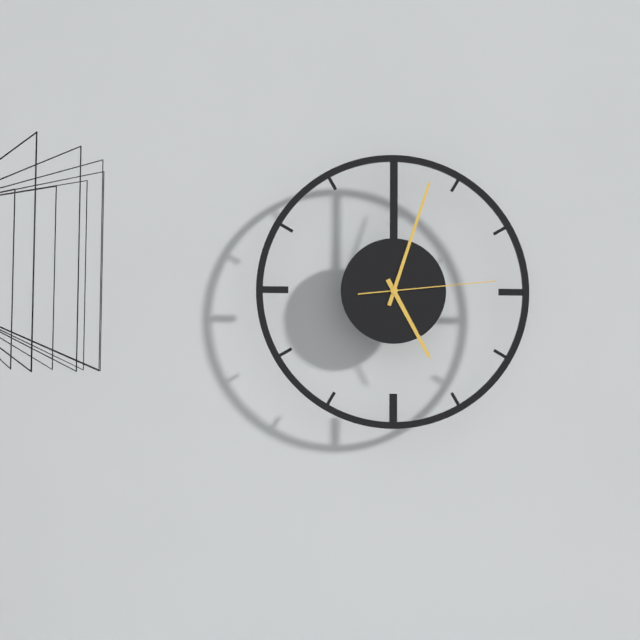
5:03:14
